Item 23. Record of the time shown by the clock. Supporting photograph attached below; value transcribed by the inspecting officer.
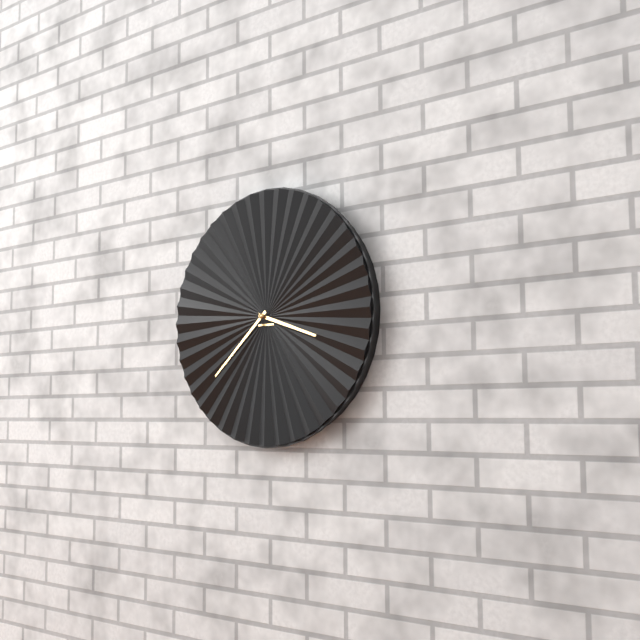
3:38
